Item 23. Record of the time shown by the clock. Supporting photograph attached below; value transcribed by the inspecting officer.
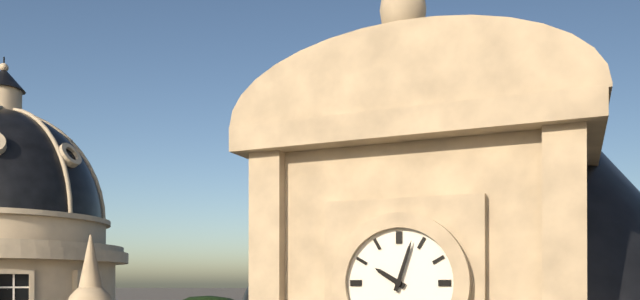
10:03
